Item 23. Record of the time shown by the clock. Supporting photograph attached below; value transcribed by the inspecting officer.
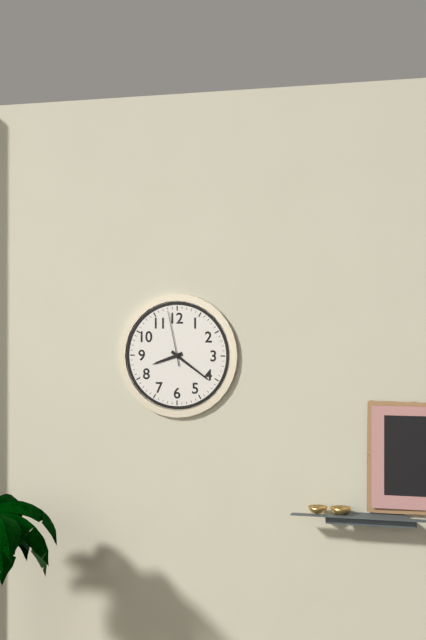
8:21:58
